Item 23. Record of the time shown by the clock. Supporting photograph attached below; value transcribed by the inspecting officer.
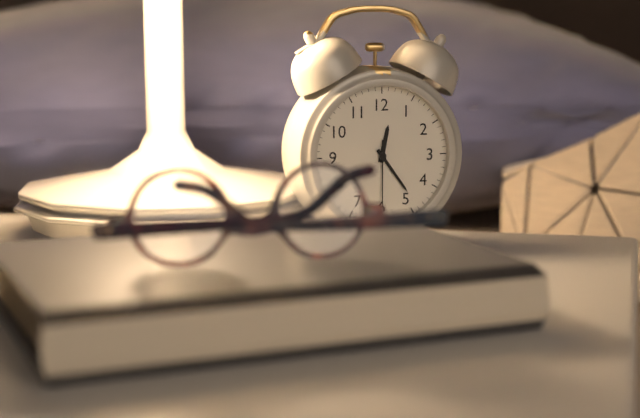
12:24:30
